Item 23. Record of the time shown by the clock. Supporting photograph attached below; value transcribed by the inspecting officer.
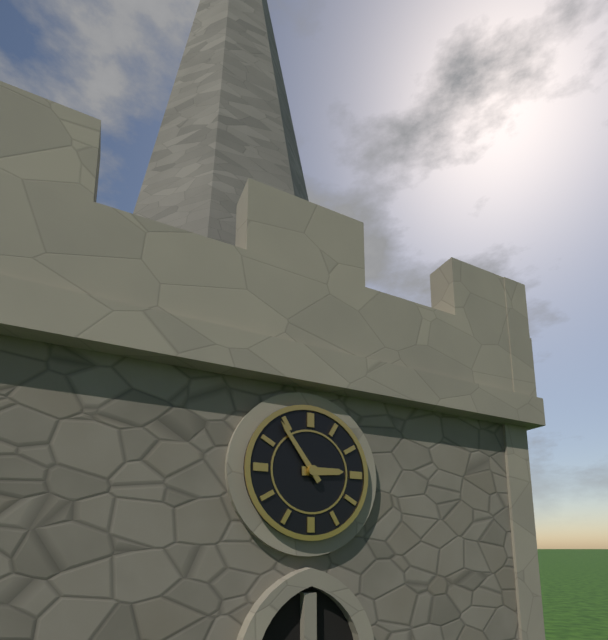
2:54
